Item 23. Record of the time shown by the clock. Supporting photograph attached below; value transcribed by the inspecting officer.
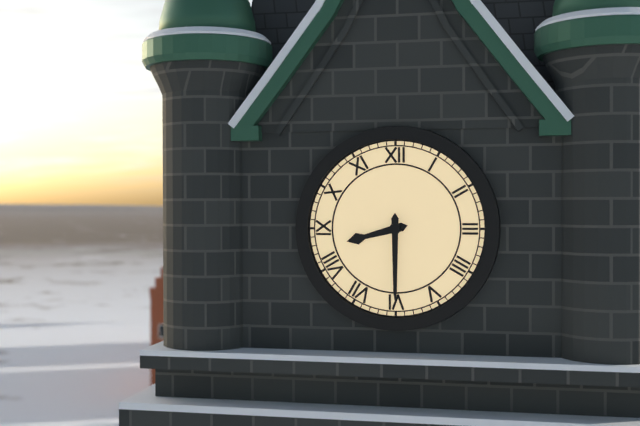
8:30
